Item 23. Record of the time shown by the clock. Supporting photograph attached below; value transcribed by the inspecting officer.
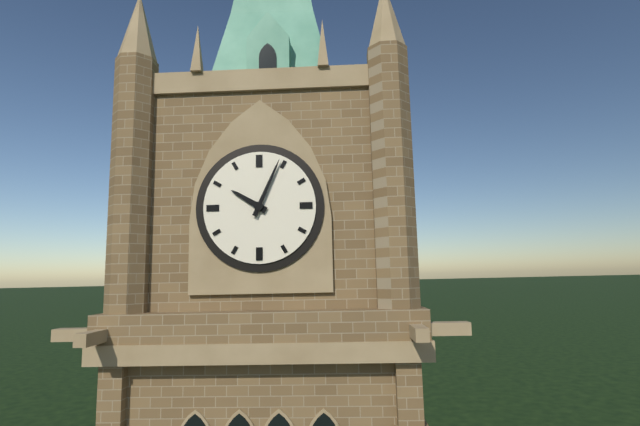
10:04
